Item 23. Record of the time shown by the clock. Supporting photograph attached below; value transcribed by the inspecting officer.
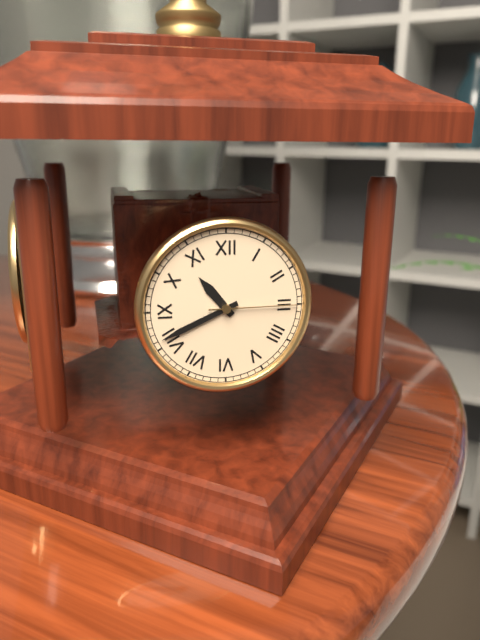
10:41:15
